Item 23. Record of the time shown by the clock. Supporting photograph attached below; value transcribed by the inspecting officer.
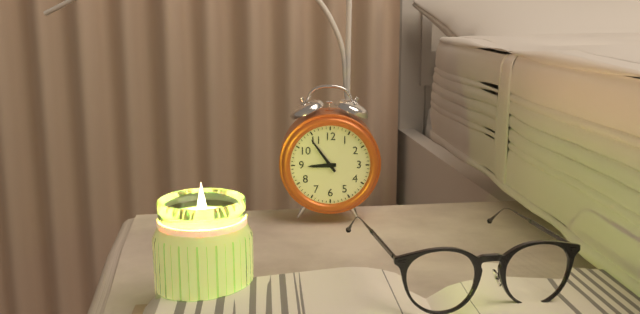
8:54
